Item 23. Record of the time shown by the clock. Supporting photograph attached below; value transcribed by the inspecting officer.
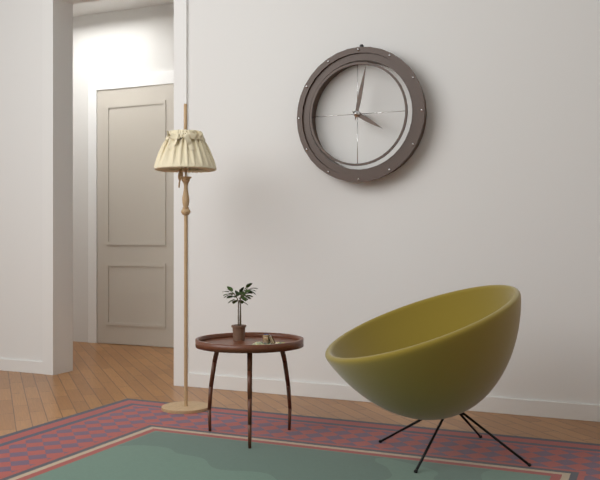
4:02
